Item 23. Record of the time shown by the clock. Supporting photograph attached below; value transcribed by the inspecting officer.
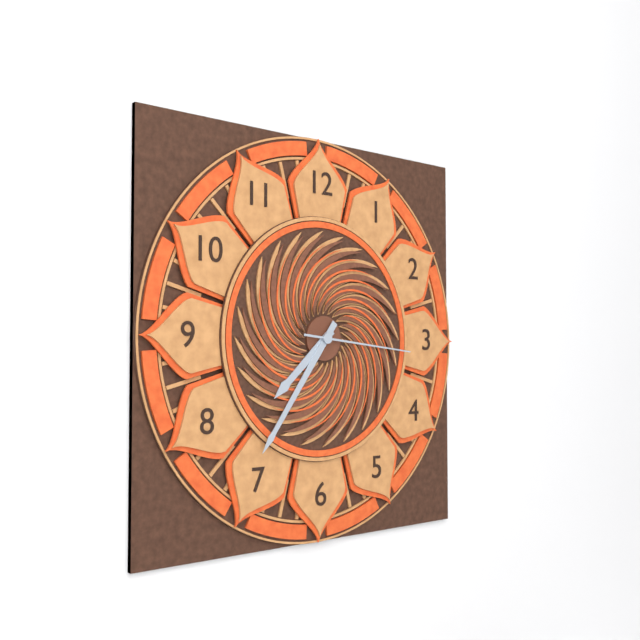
7:36:16
